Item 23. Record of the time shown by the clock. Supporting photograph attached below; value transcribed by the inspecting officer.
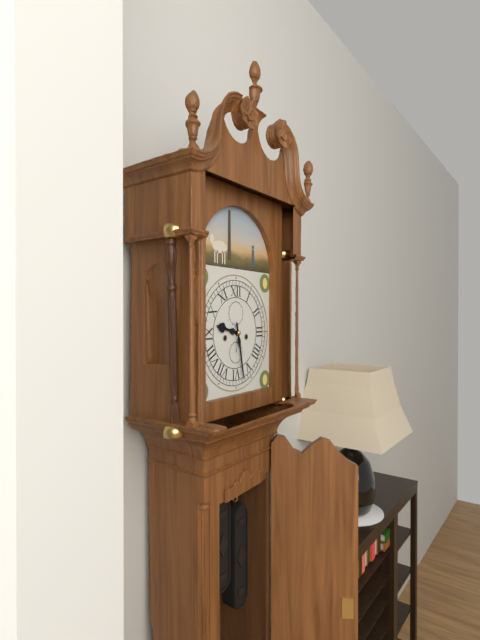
9:28
